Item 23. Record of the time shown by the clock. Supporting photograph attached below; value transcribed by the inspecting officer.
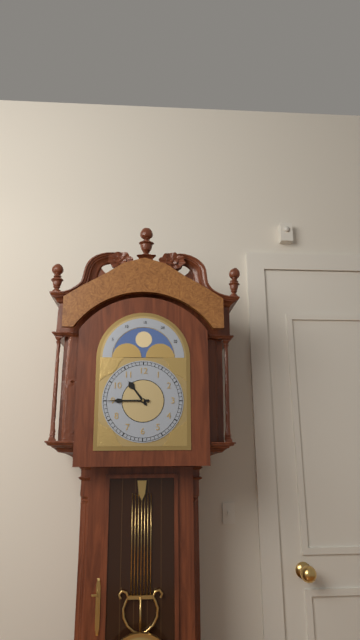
10:45
